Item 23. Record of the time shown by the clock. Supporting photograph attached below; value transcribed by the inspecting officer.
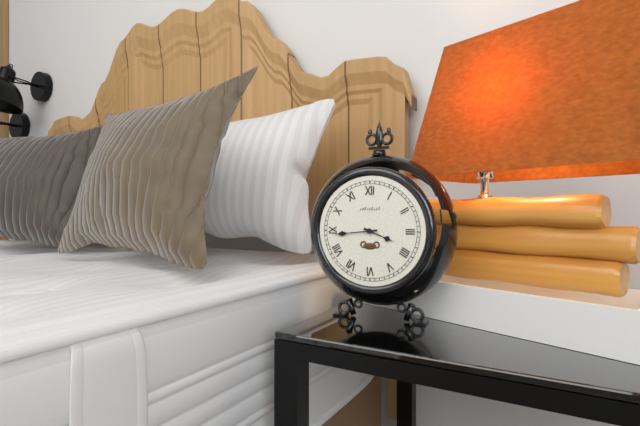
3:44
